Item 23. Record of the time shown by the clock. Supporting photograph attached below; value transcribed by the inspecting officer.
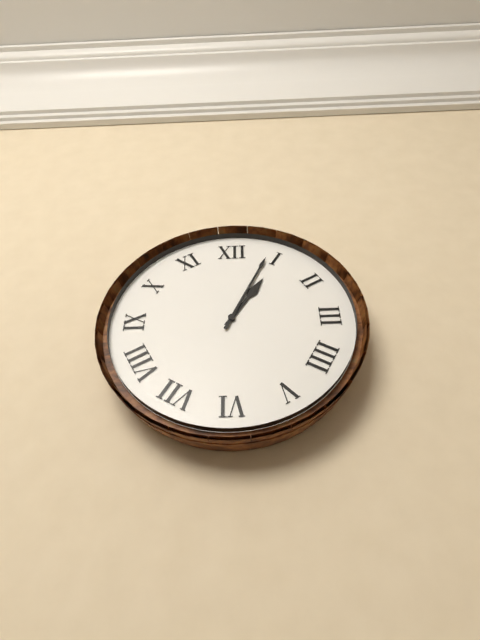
1:04
